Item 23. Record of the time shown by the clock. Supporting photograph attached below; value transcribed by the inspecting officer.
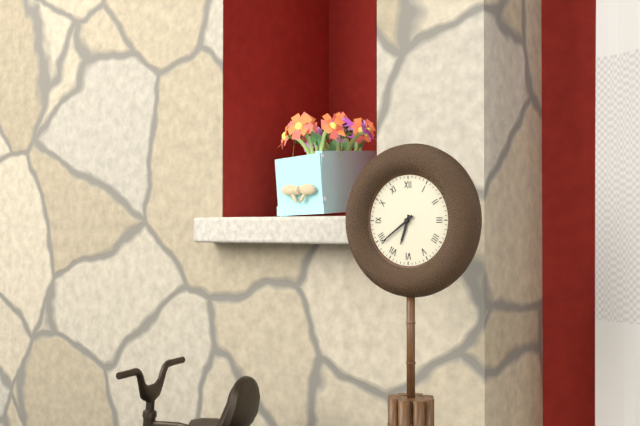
6:39
